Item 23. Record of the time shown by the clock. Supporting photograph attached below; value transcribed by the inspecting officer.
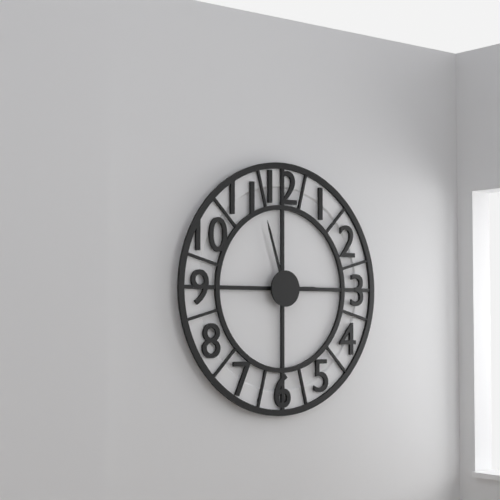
2:57
